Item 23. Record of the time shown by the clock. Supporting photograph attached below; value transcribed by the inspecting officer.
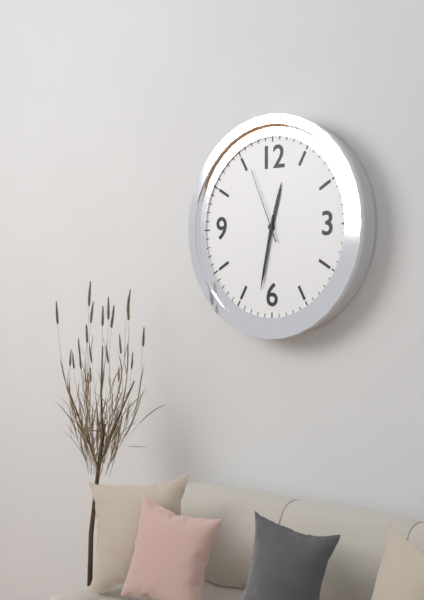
12:32:56
